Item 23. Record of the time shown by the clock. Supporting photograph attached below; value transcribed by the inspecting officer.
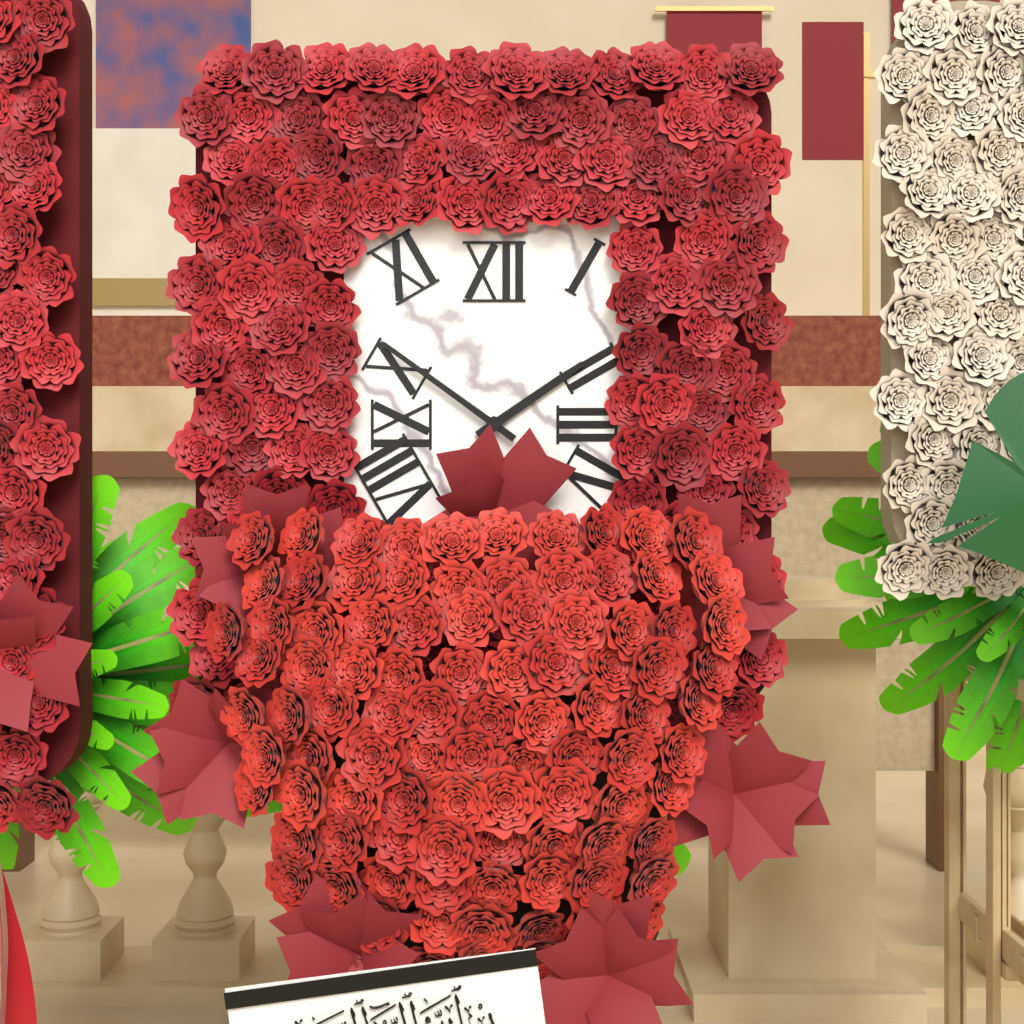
1:51
